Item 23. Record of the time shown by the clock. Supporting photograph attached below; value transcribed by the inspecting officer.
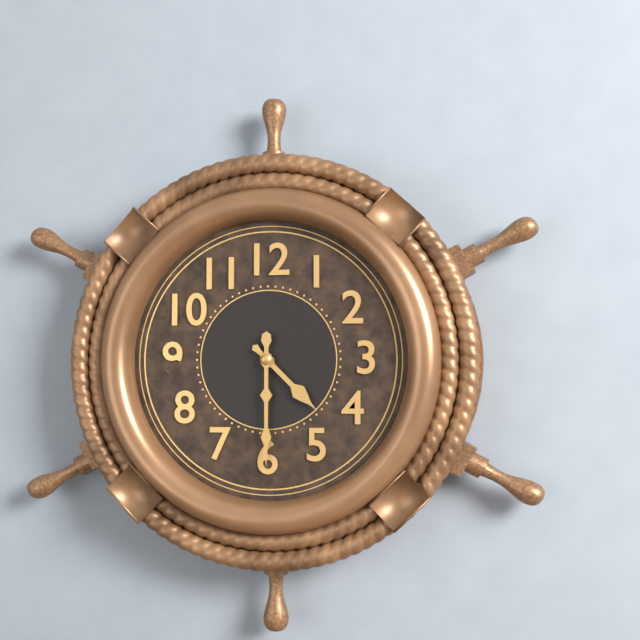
4:30
